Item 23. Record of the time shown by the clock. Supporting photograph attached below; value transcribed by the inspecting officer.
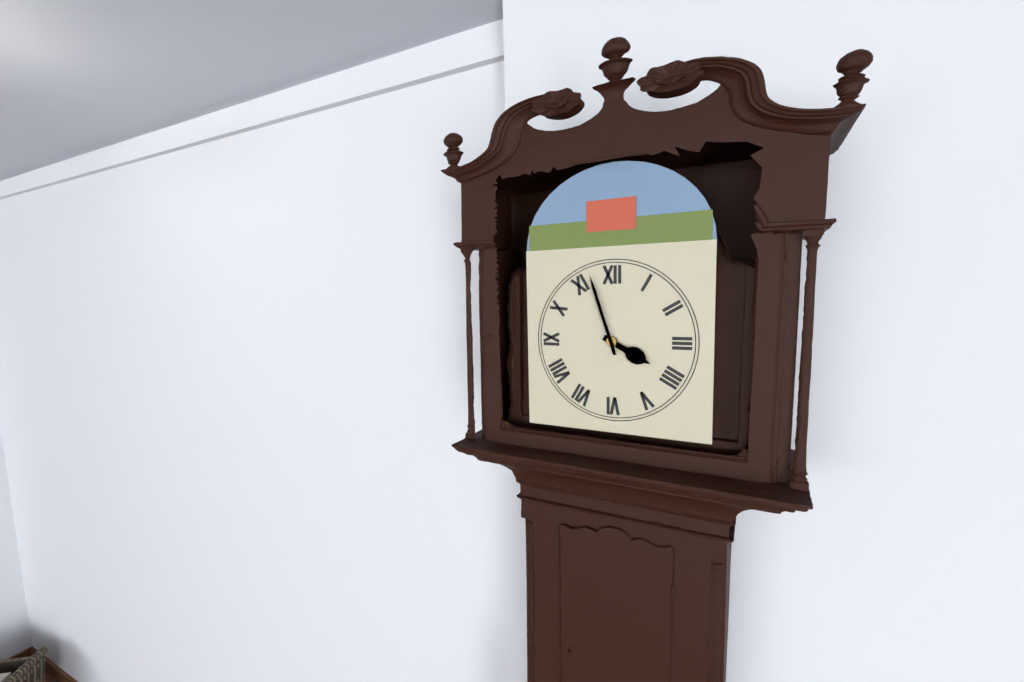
3:57
